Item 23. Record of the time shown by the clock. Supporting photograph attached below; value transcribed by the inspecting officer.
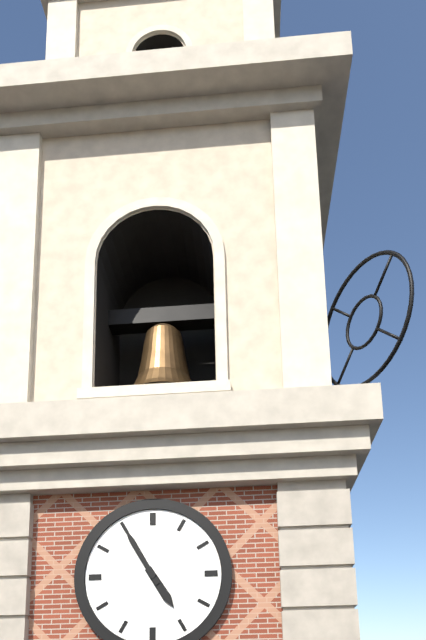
4:55
